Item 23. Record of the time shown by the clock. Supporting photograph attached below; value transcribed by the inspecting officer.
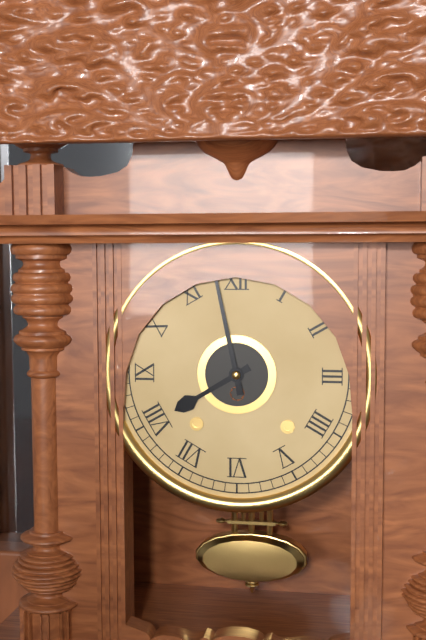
7:58
